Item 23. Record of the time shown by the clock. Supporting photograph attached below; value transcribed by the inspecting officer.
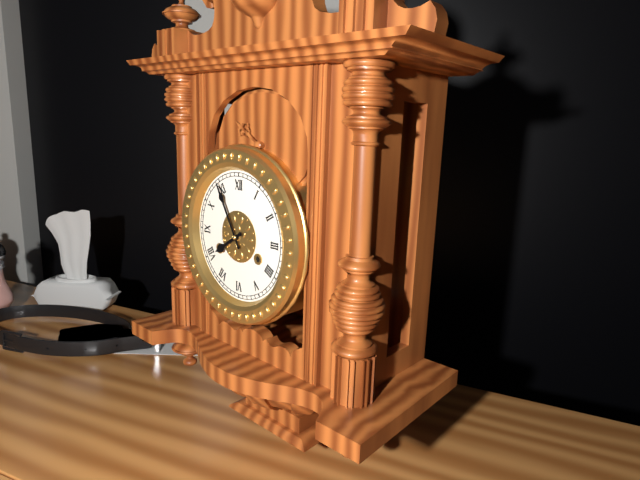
7:55
